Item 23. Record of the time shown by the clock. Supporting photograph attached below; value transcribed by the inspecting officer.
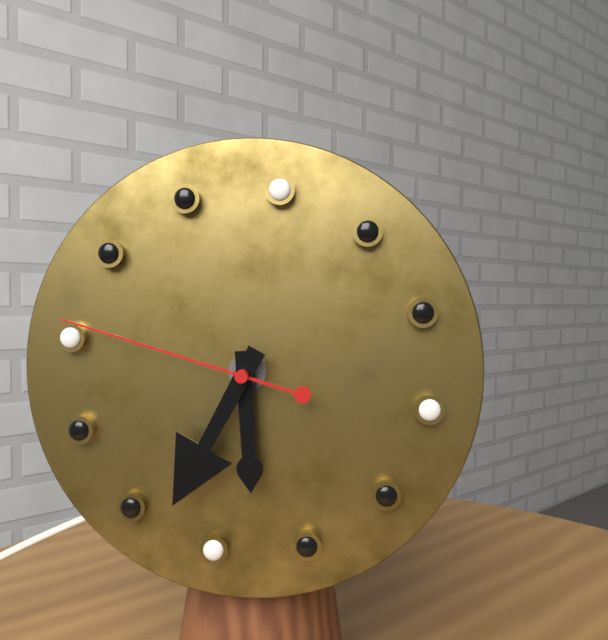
5:33:46
